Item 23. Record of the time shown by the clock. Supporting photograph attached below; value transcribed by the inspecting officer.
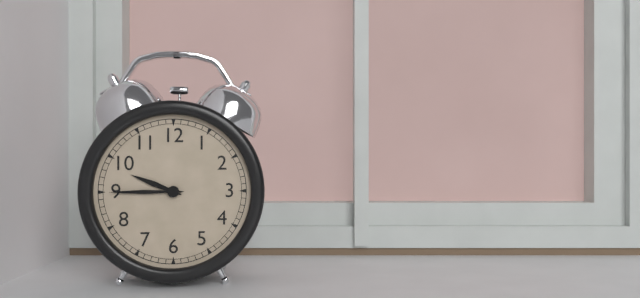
9:45
